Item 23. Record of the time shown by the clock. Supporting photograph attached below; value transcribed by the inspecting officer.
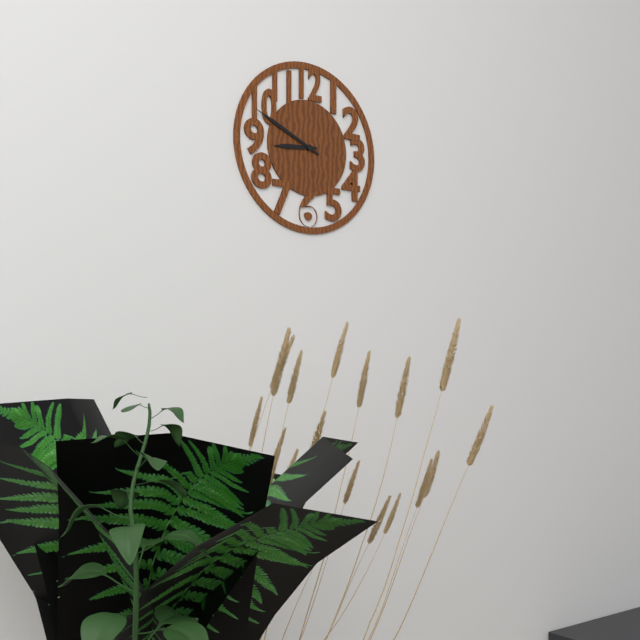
8:49
